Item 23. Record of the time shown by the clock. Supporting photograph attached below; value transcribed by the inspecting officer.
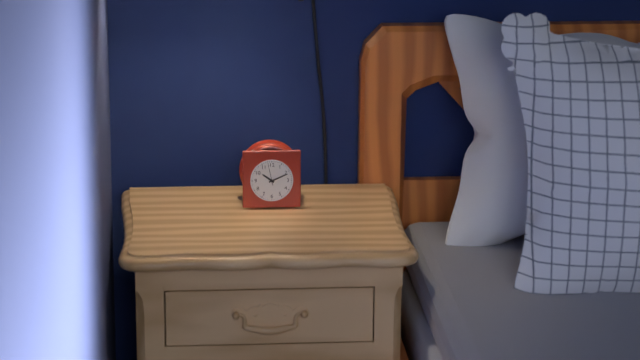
10:11
